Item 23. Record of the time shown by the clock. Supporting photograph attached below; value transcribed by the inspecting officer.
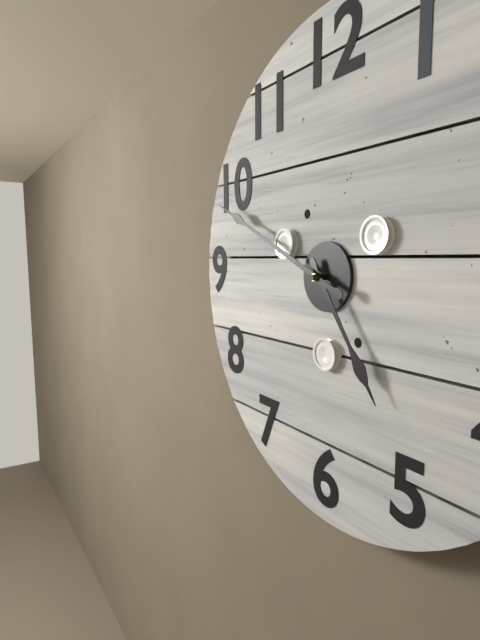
4:49
